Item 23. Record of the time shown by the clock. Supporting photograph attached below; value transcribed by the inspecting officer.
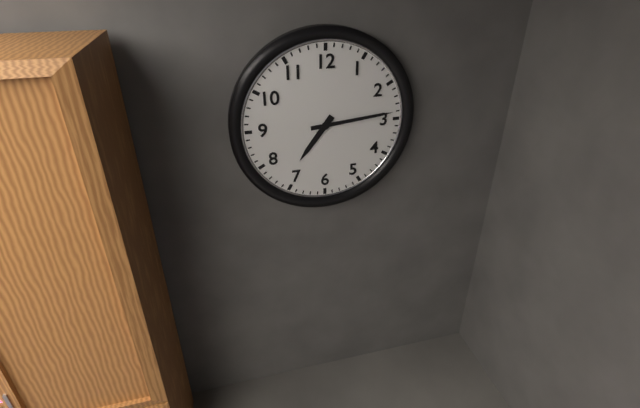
7:14
